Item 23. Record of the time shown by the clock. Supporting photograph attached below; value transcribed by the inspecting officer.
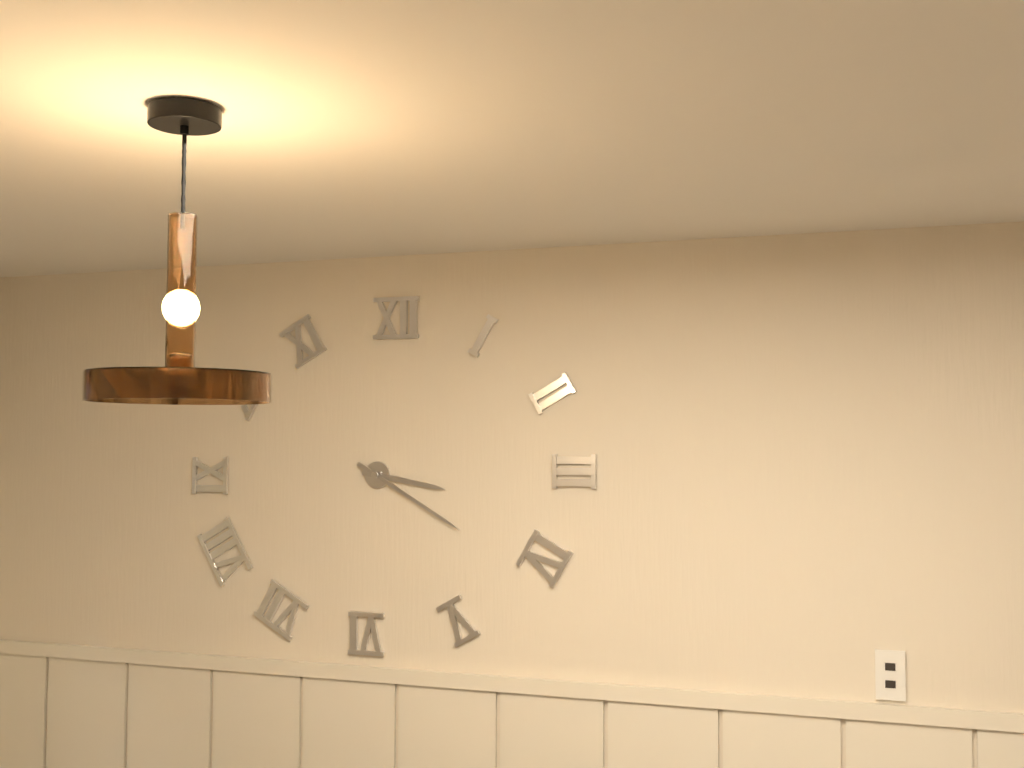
3:20
